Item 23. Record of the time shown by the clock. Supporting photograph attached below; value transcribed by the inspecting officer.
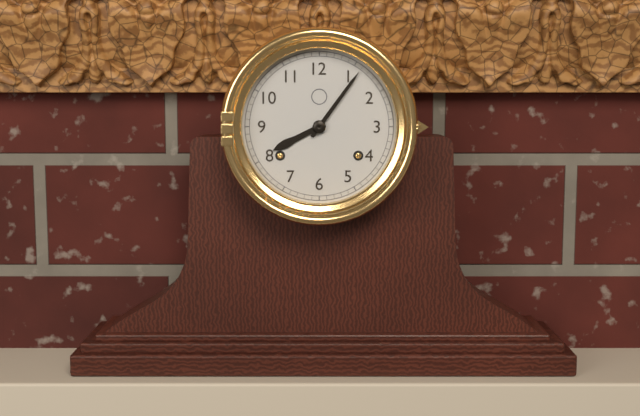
8:06
